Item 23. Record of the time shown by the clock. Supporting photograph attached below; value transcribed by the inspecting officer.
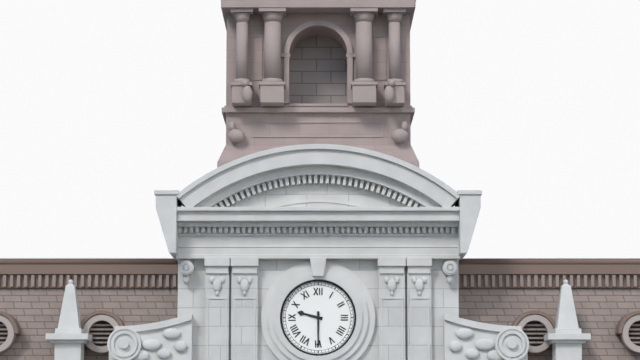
9:30
